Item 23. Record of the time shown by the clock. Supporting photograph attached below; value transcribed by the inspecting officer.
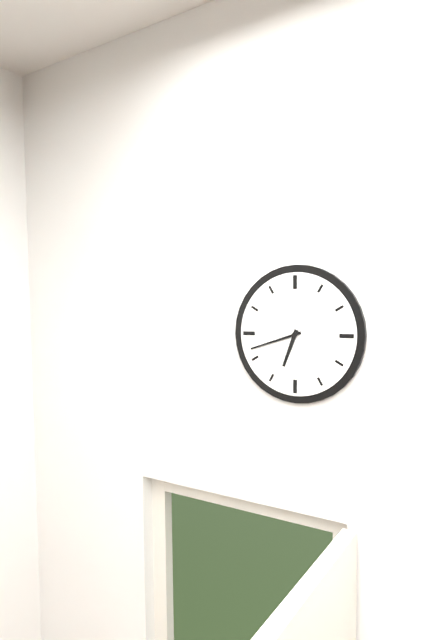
6:42
